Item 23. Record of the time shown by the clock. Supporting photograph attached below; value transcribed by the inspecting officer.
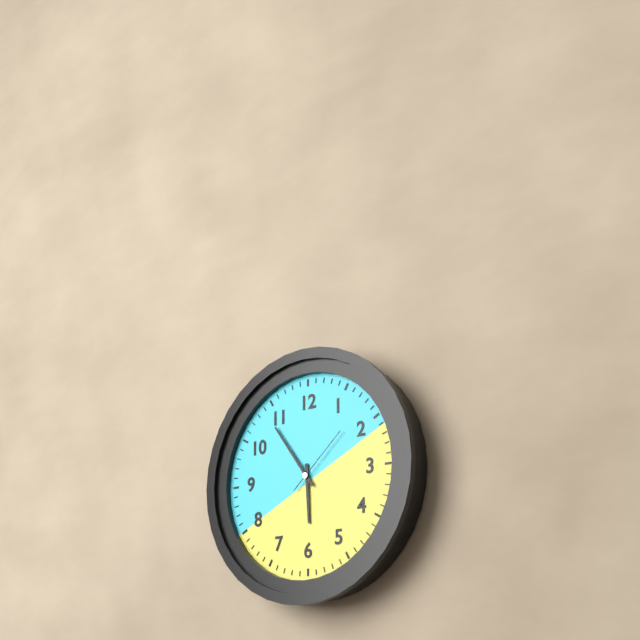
5:54:08
